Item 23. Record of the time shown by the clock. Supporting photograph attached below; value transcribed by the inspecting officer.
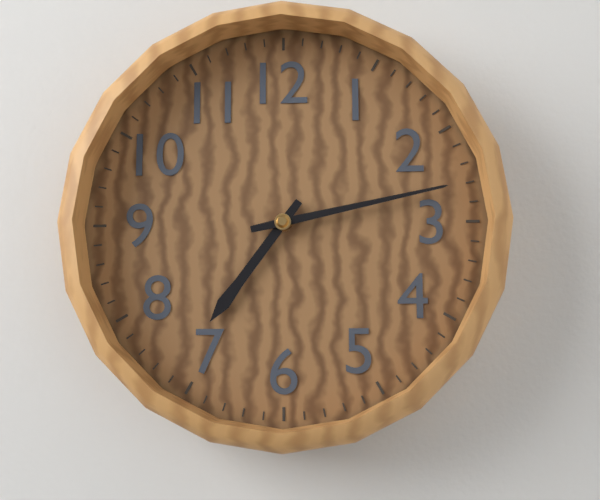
7:13
